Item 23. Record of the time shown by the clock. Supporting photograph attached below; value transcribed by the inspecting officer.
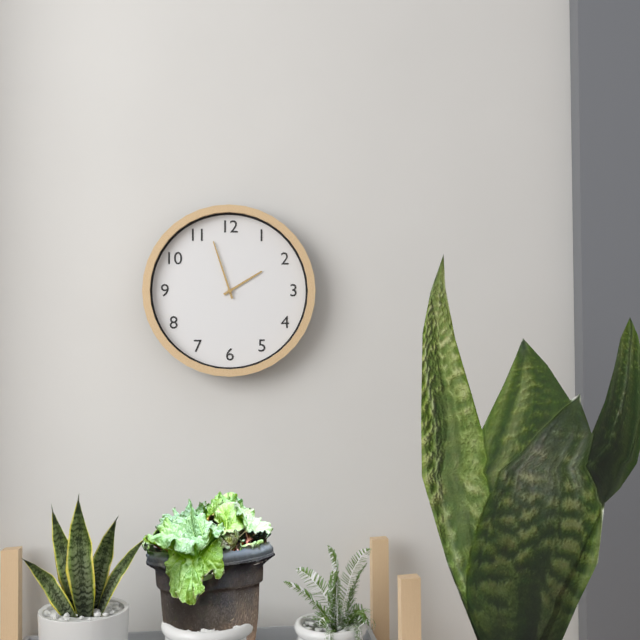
1:57
